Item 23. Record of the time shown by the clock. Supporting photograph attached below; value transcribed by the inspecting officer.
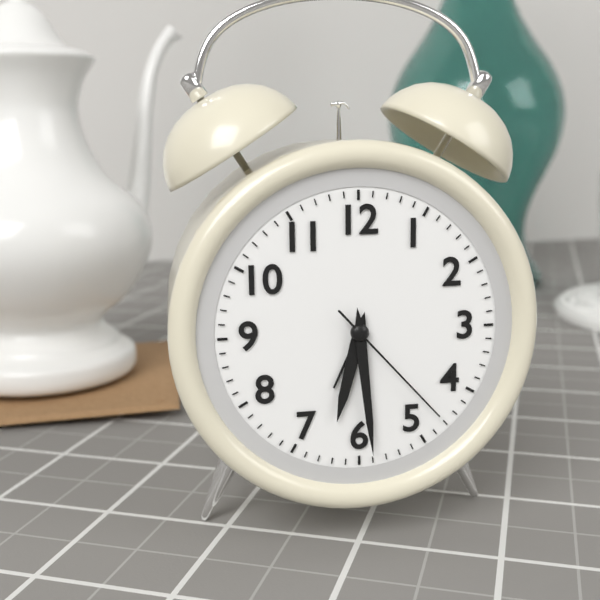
6:29:23
